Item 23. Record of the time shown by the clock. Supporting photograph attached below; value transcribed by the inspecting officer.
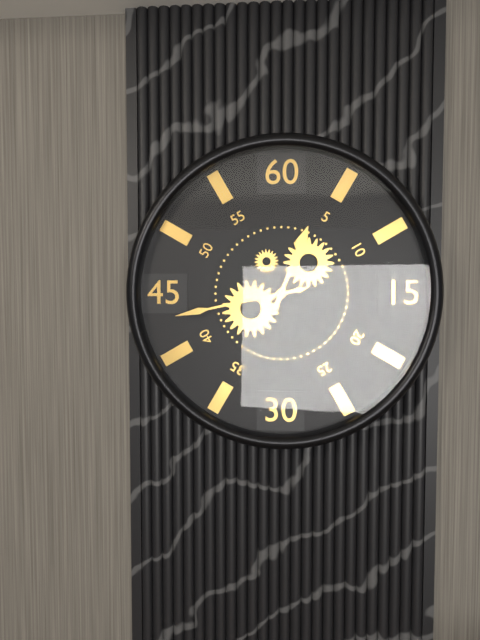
12:43
